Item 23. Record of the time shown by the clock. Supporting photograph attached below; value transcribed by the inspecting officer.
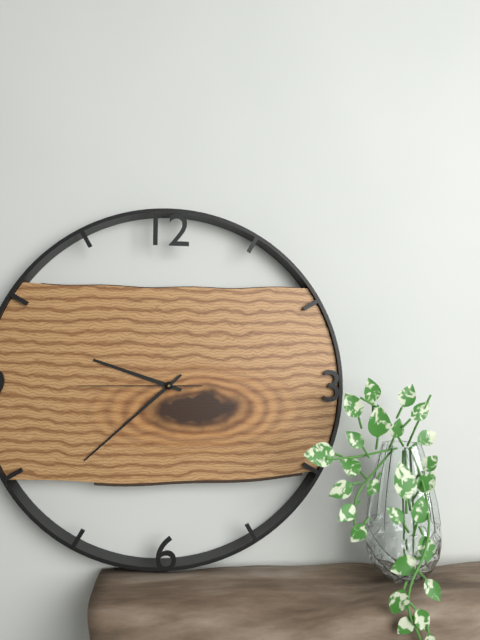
9:38:45
